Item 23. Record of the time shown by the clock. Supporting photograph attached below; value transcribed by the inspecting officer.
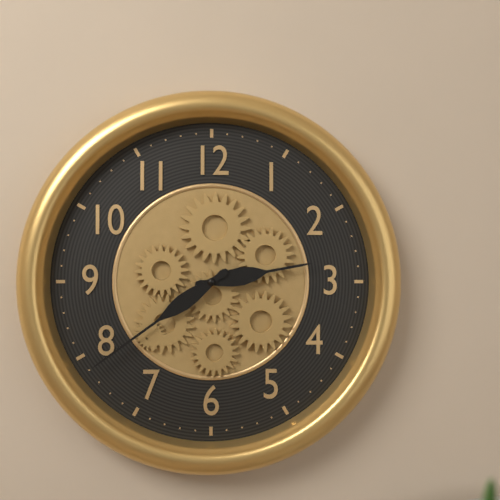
2:39
